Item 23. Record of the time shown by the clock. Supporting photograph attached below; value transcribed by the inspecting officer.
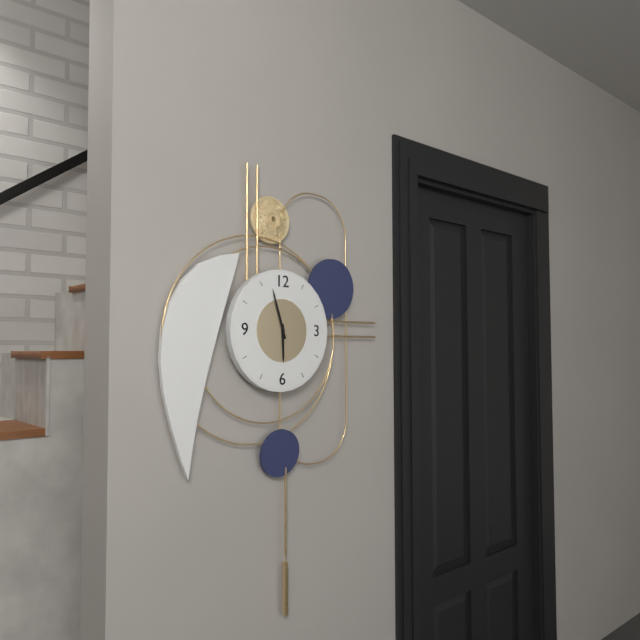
5:57
